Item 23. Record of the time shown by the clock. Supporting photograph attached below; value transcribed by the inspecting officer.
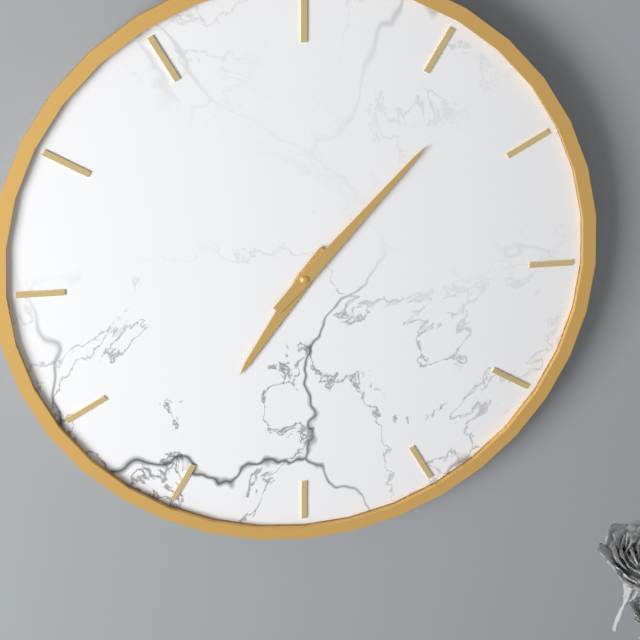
7:07
